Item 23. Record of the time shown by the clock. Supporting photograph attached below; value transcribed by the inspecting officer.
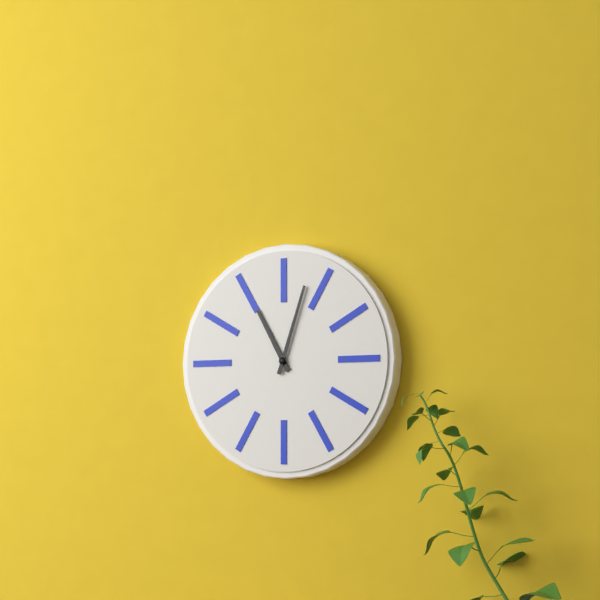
11:03
